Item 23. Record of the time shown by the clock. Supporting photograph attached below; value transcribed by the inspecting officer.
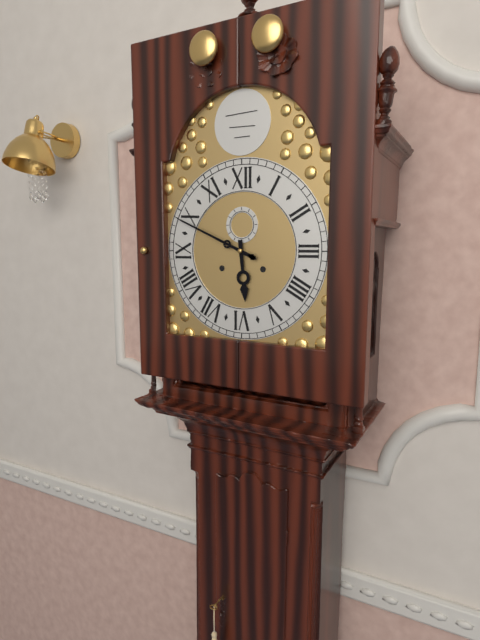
5:49
